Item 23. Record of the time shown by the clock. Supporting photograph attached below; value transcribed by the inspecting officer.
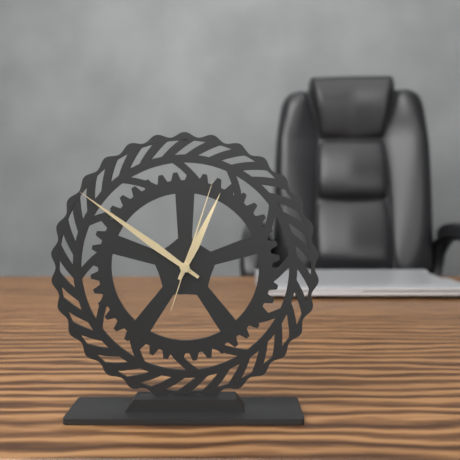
12:51:03
